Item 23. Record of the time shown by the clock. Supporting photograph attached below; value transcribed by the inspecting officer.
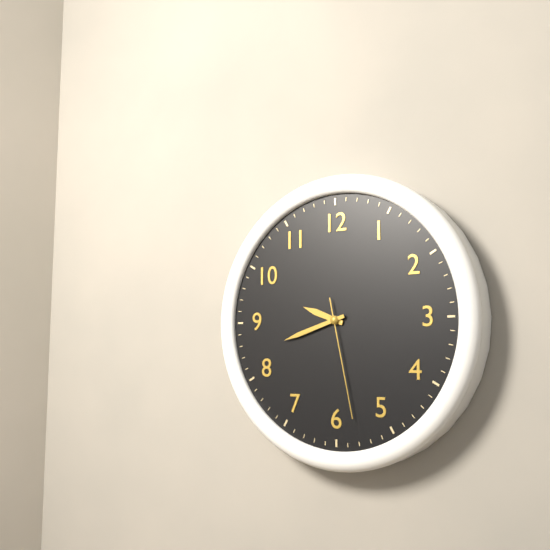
9:42:28
